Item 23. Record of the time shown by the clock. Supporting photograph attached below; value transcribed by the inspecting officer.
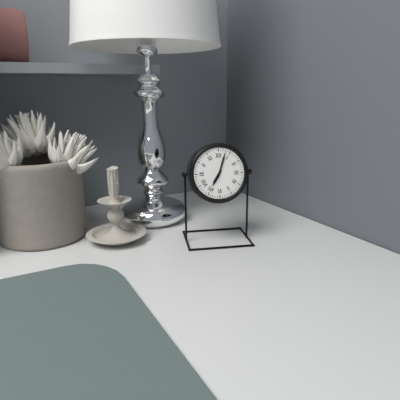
7:03
